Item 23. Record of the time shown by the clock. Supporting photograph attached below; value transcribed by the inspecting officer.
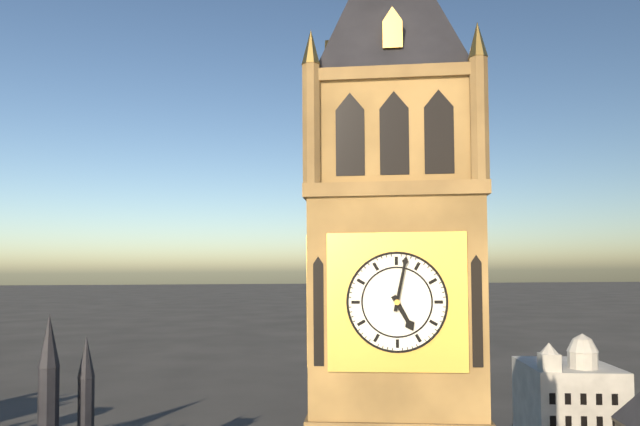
5:02
